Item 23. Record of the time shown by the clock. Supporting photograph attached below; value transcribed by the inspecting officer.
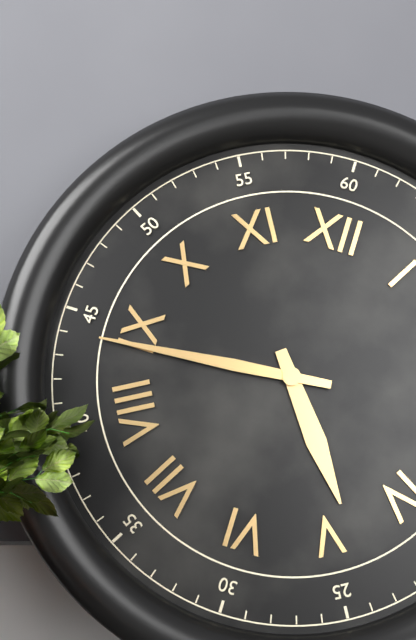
4:44
